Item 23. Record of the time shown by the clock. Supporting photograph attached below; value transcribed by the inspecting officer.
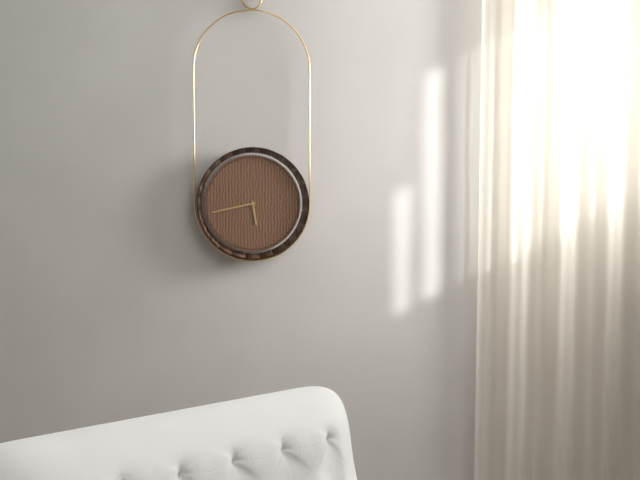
5:43
